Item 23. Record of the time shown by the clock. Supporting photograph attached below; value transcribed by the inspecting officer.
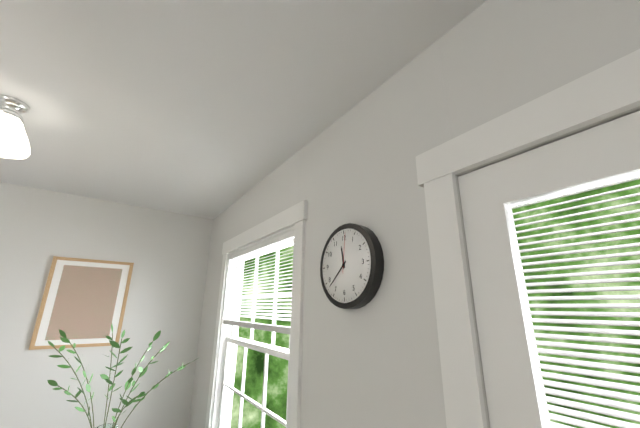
11:38
